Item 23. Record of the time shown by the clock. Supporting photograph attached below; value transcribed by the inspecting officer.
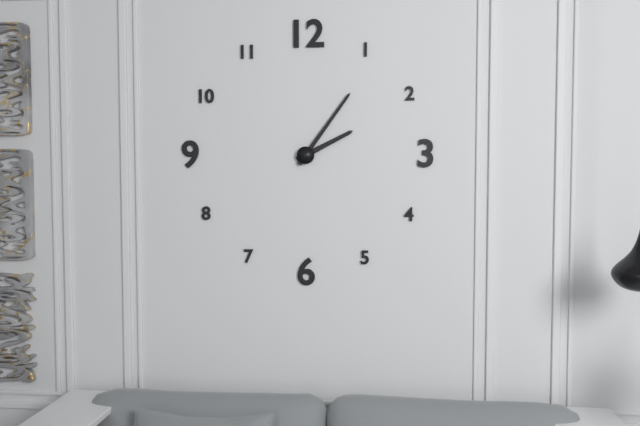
2:06
